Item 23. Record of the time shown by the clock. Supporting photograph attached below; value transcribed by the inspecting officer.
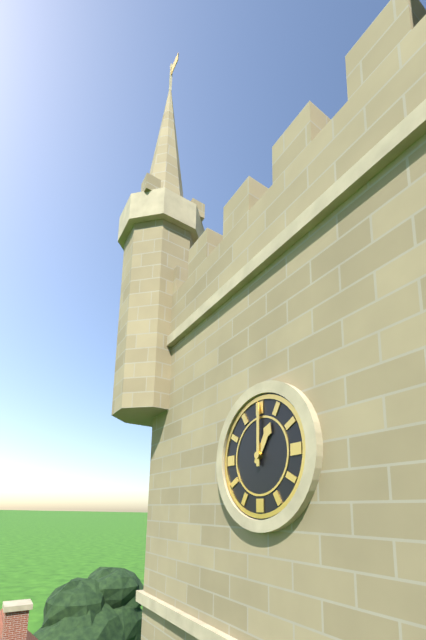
1:00
